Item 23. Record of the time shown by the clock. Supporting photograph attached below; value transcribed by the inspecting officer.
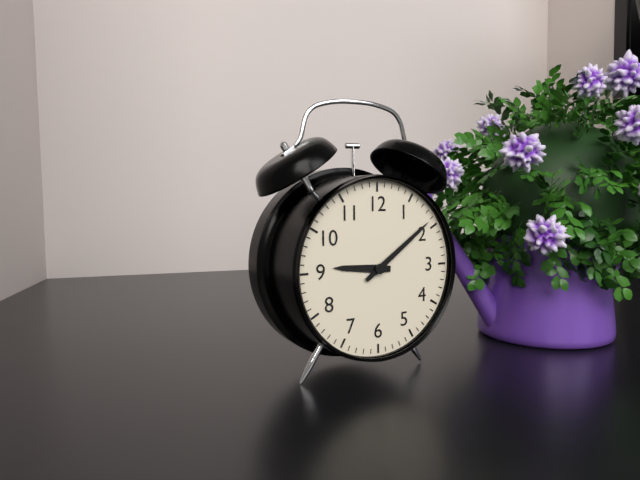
9:09
